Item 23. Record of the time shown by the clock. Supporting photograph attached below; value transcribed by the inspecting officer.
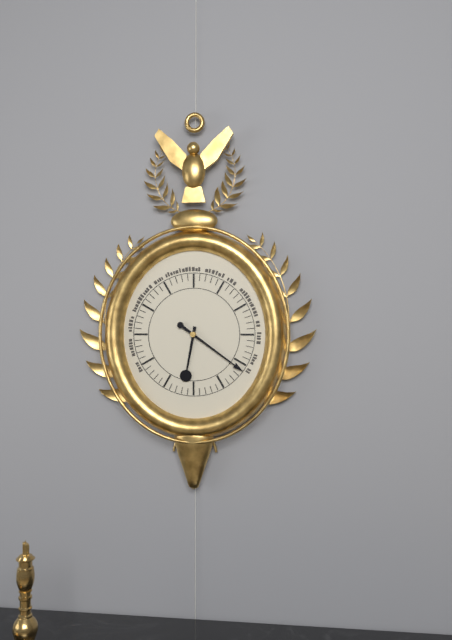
6:21
